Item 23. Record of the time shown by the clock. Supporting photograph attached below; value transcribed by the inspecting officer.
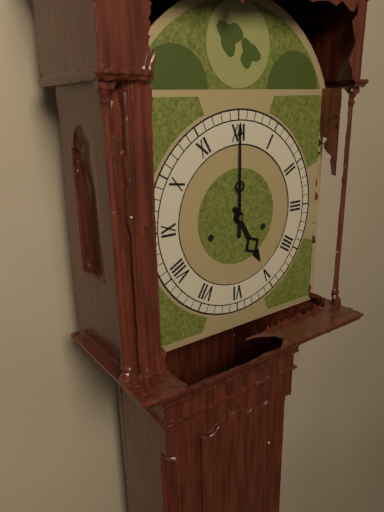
5:00
